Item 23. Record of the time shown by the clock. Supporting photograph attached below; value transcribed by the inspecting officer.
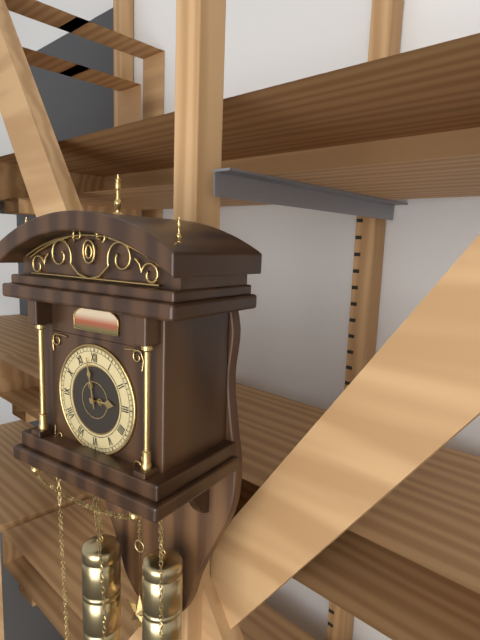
2:58
